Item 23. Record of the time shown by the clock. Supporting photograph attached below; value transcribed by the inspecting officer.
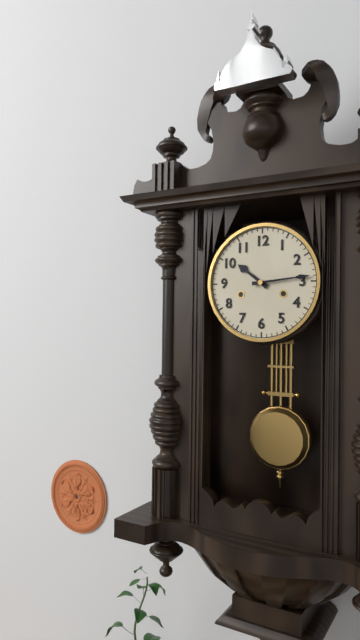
10:14
